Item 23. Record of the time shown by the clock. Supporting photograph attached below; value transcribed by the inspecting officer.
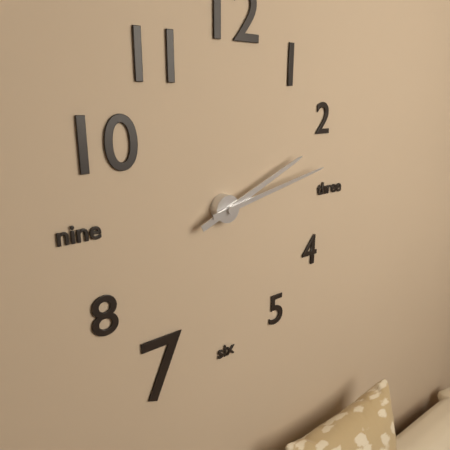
2:13
